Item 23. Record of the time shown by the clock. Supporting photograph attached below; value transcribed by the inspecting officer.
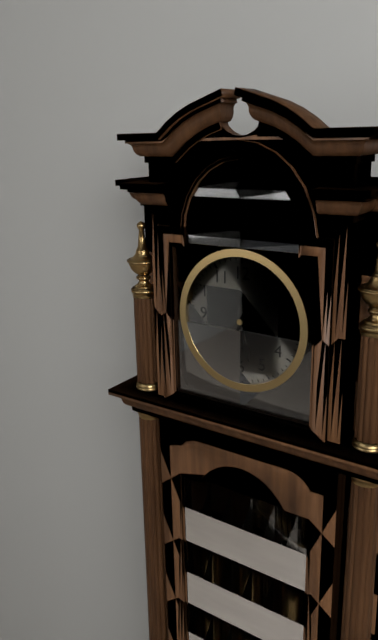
5:33
